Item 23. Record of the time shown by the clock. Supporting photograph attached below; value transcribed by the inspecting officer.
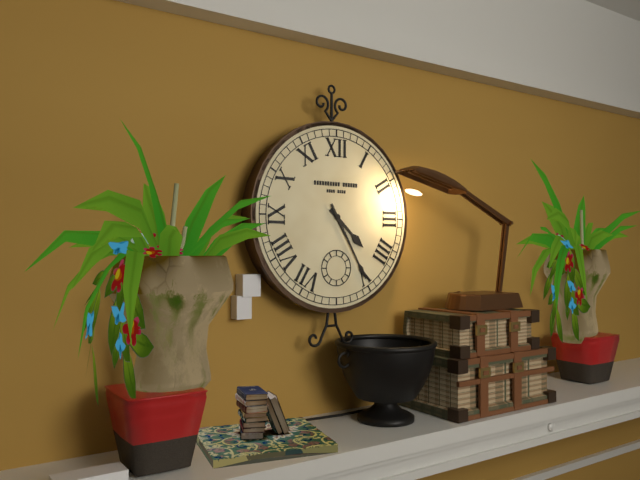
4:25
